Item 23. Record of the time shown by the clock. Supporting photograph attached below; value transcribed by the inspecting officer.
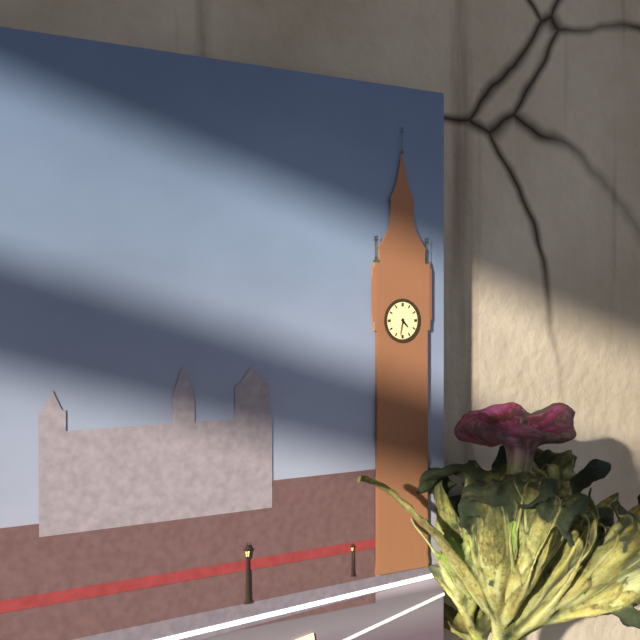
4:32
